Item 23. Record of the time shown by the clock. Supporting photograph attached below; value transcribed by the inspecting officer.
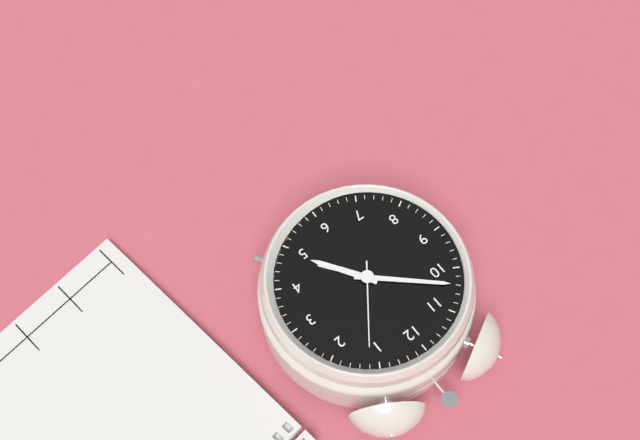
4:52:06
